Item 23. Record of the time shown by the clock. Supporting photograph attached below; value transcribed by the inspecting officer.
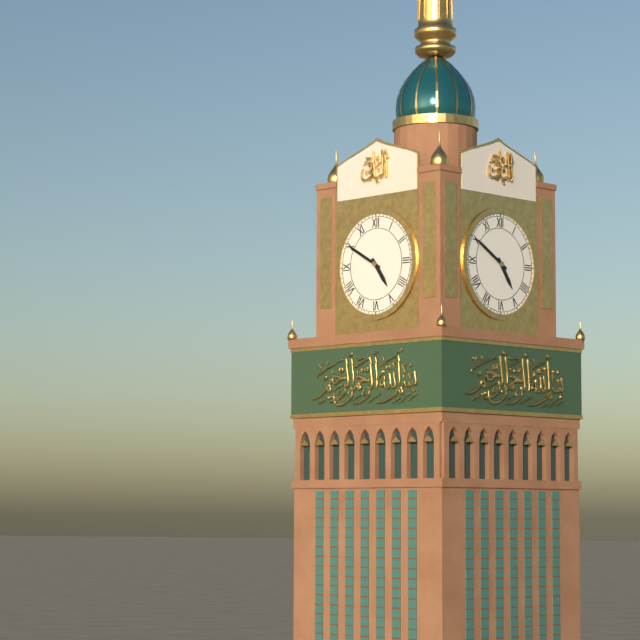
4:50
